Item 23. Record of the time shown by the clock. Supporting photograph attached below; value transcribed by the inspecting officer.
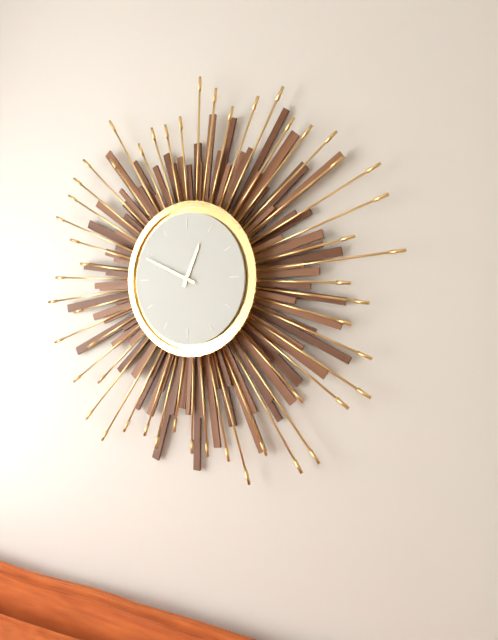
12:49
